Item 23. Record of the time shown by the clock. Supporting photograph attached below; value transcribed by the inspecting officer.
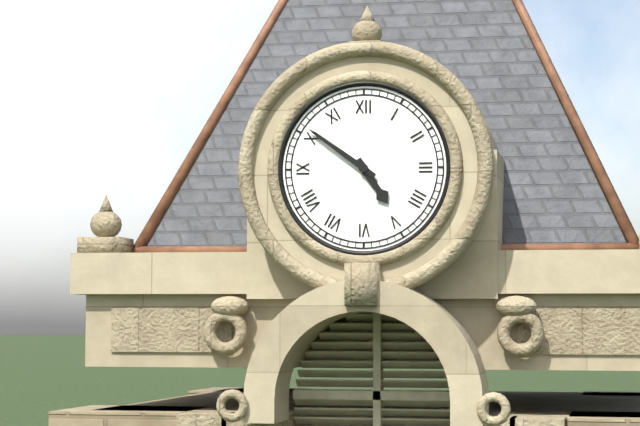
4:51
